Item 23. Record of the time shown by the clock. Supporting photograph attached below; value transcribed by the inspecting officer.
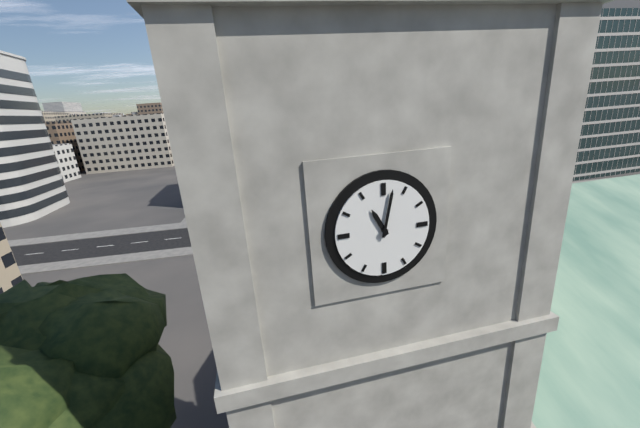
11:02
